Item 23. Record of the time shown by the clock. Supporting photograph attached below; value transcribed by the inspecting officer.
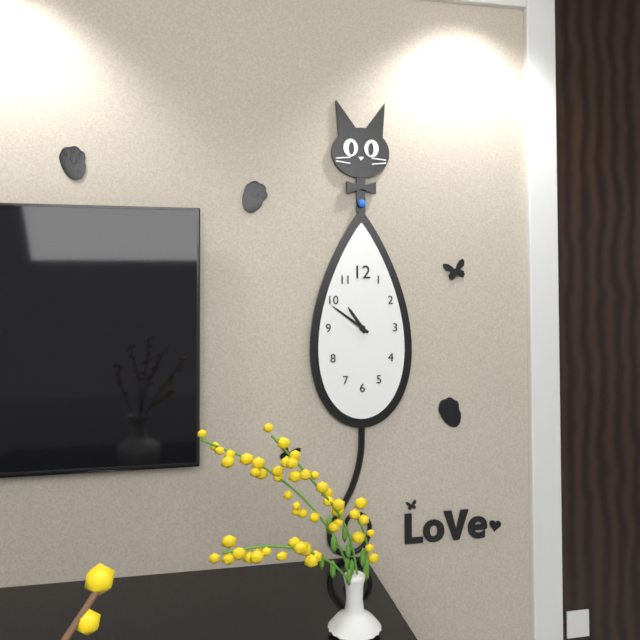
10:51
